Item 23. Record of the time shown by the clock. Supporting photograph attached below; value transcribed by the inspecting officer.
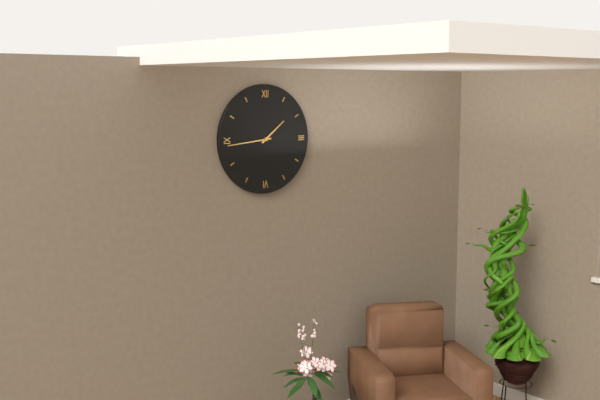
1:44
